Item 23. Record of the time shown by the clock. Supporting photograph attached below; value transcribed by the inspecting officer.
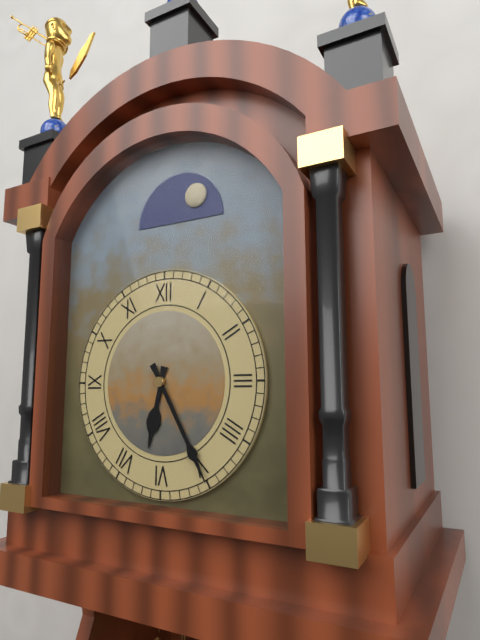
6:25
